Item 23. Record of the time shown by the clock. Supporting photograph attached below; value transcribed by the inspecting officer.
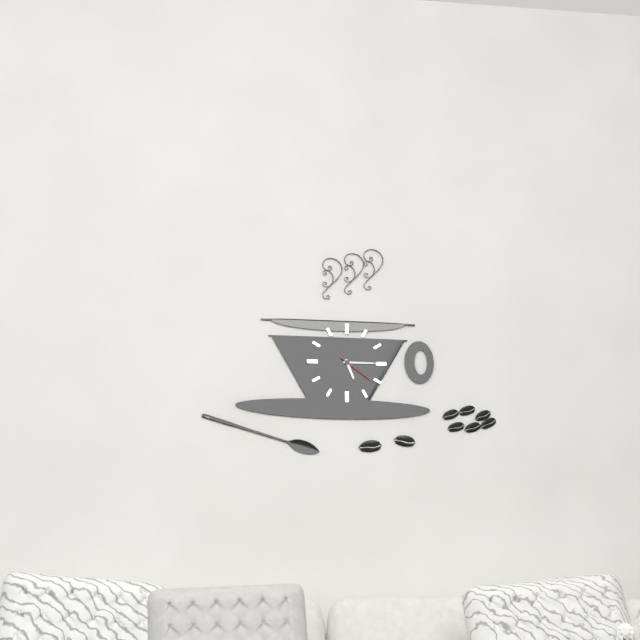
5:15
